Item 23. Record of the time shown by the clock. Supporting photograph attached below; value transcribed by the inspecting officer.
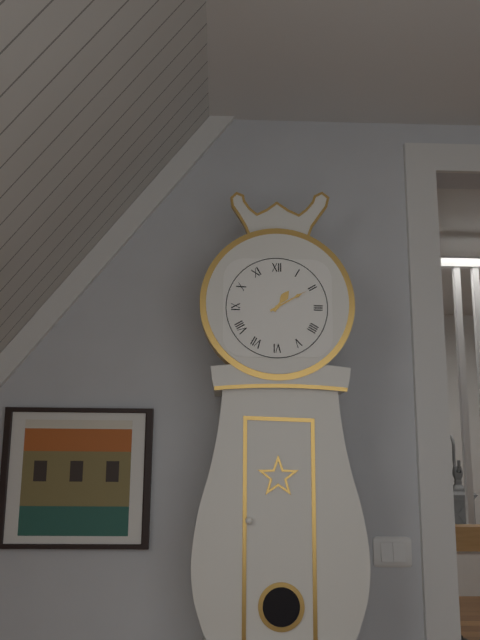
1:10
